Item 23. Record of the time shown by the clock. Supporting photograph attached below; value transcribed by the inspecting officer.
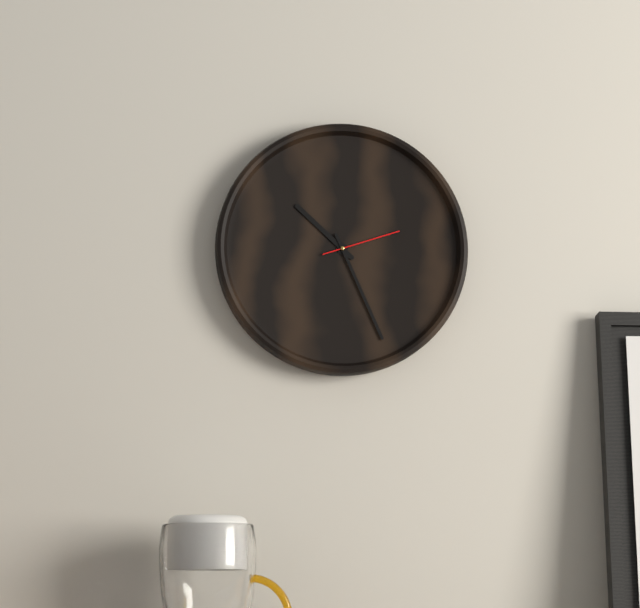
10:26:12
